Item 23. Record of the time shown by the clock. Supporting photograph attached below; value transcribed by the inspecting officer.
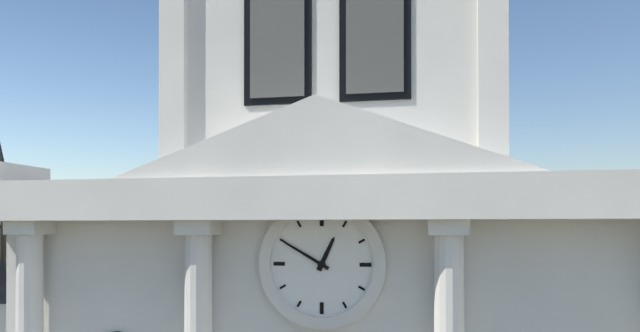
12:50
